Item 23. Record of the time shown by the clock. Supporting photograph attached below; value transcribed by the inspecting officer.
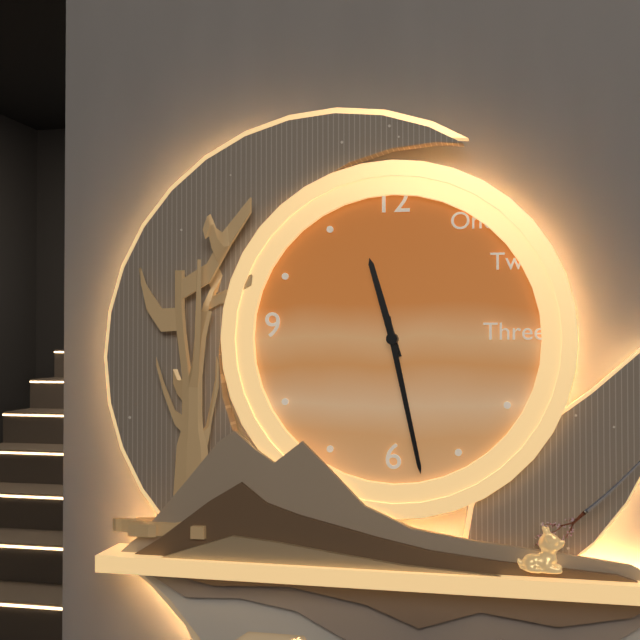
11:28
